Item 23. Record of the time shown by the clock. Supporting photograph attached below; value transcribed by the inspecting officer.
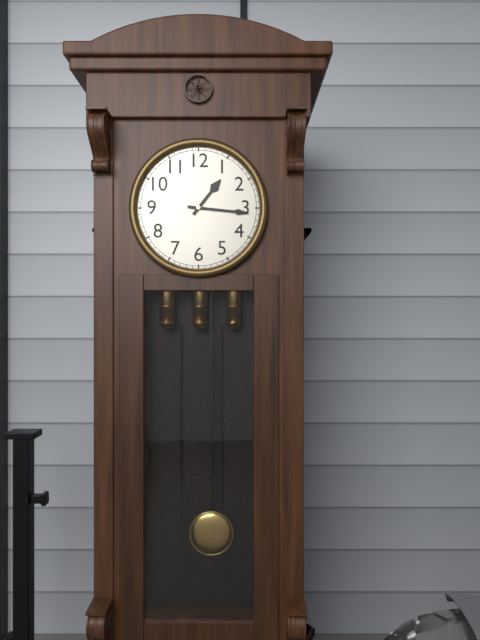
1:16
